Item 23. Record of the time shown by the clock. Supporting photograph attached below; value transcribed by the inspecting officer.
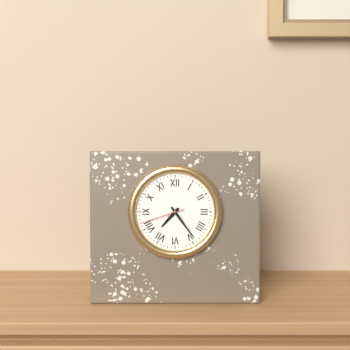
7:24
